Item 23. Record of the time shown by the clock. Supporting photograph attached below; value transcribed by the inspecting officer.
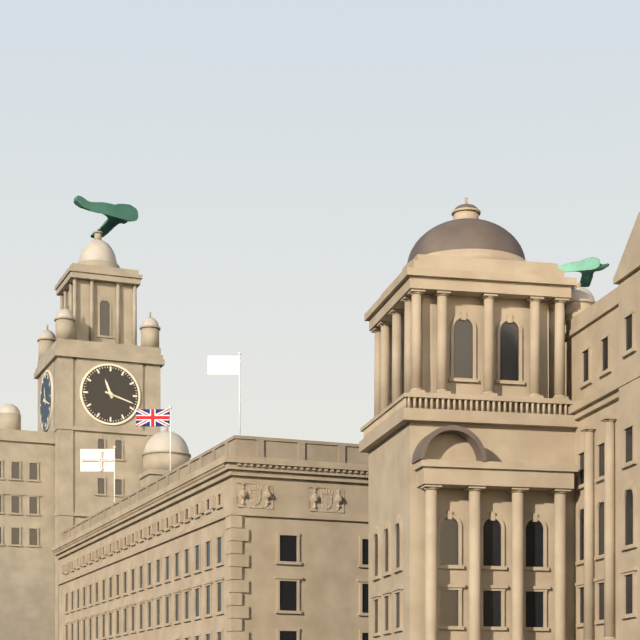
11:18
